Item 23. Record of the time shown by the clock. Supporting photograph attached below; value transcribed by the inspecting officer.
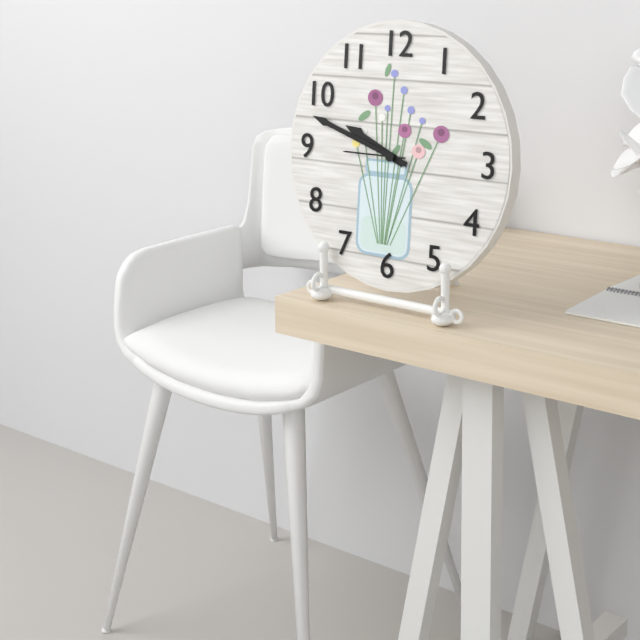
9:48:45
